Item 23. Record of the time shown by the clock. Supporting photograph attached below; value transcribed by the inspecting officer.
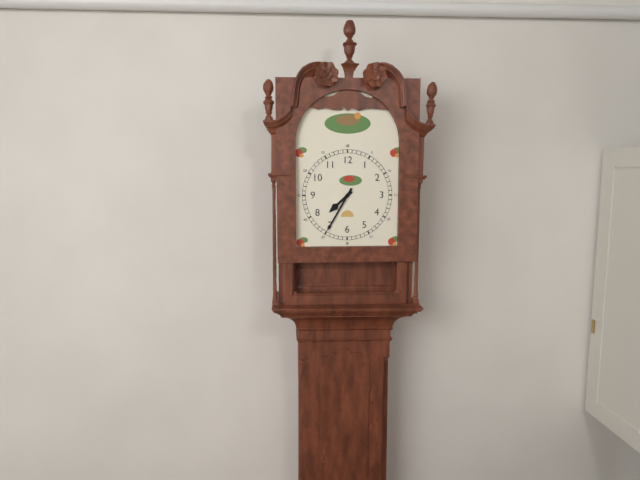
7:35
